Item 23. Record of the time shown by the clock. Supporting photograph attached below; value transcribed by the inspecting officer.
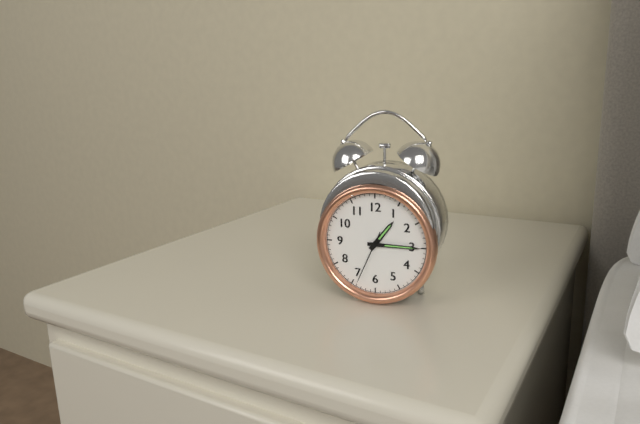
1:15:34
